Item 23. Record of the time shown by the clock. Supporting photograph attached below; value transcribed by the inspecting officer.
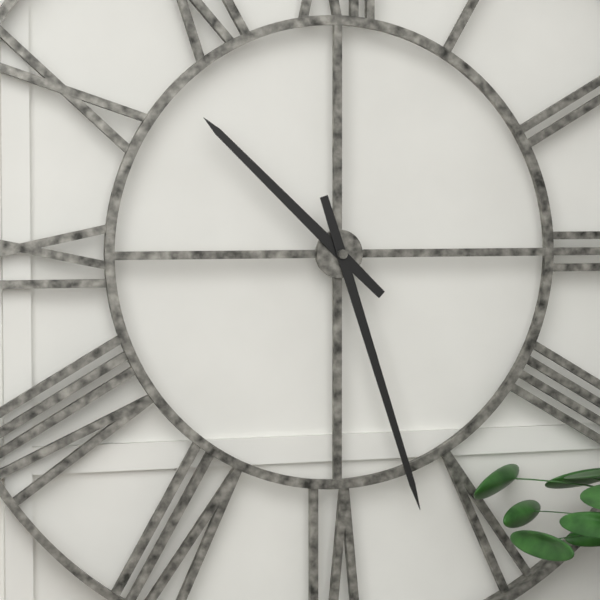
10:27
